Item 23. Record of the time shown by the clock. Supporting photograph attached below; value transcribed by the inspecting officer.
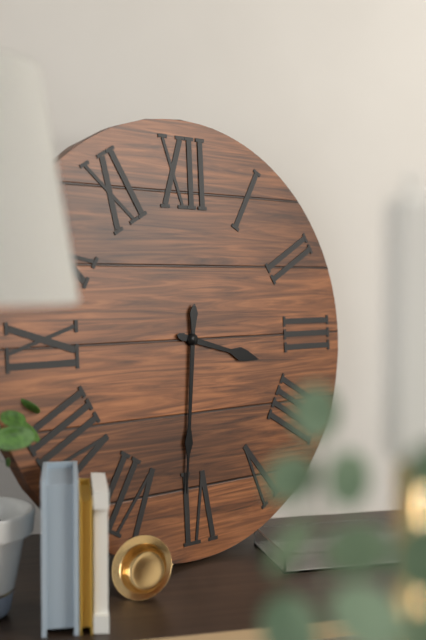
3:31
